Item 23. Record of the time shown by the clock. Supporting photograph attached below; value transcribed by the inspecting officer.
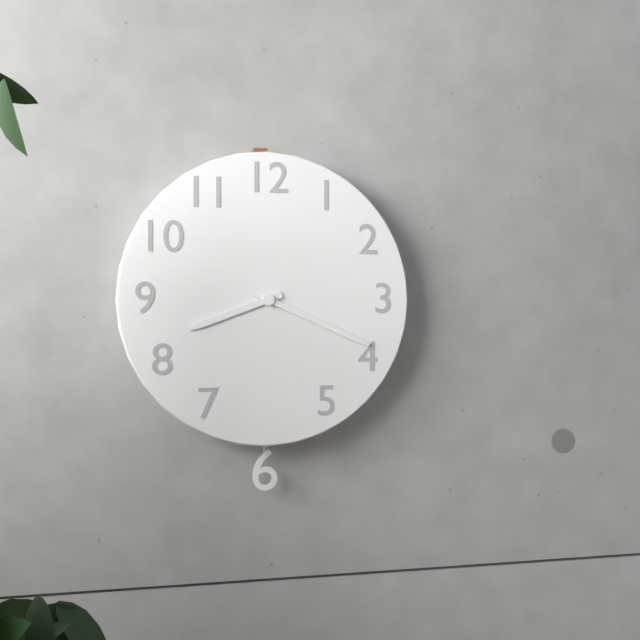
8:19
